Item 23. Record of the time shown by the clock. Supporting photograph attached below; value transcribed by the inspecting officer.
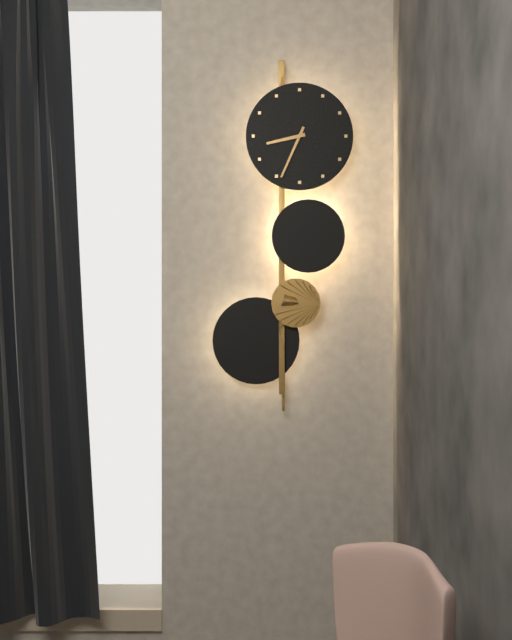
8:34
